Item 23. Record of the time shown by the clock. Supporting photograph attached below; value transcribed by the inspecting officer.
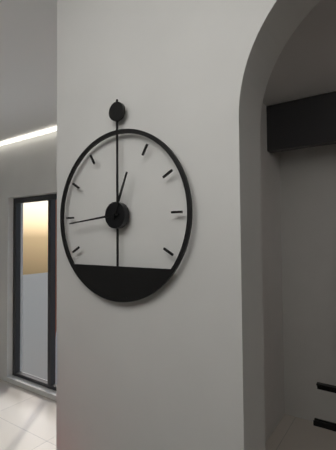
12:44
